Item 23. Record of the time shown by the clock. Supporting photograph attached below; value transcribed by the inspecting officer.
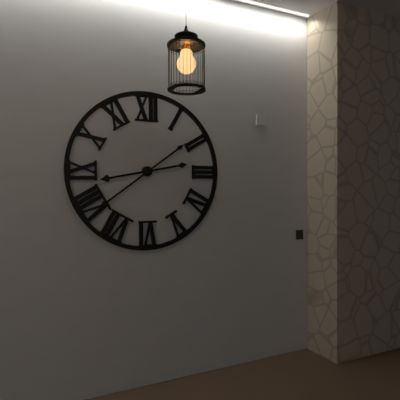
8:39
